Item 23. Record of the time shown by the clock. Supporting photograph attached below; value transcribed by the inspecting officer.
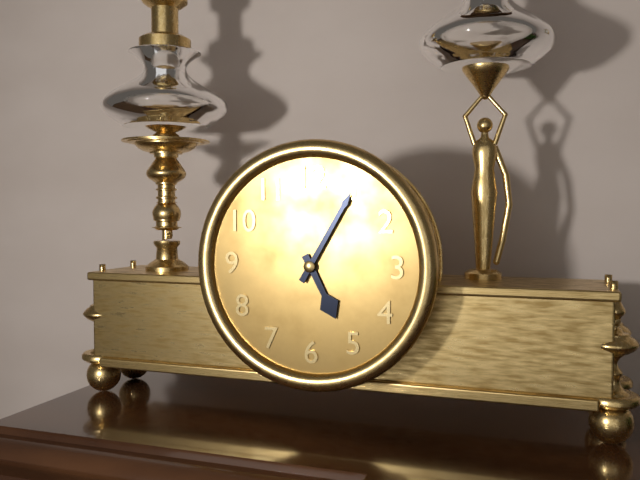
5:05
